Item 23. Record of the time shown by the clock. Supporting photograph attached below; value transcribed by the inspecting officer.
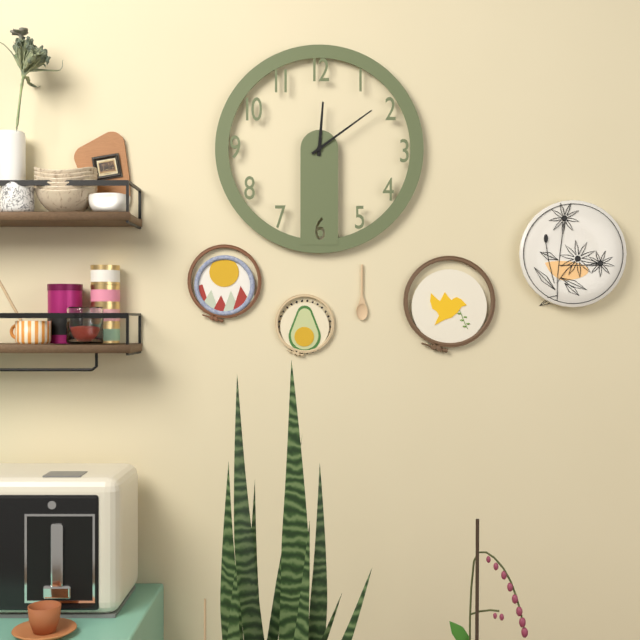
12:09
